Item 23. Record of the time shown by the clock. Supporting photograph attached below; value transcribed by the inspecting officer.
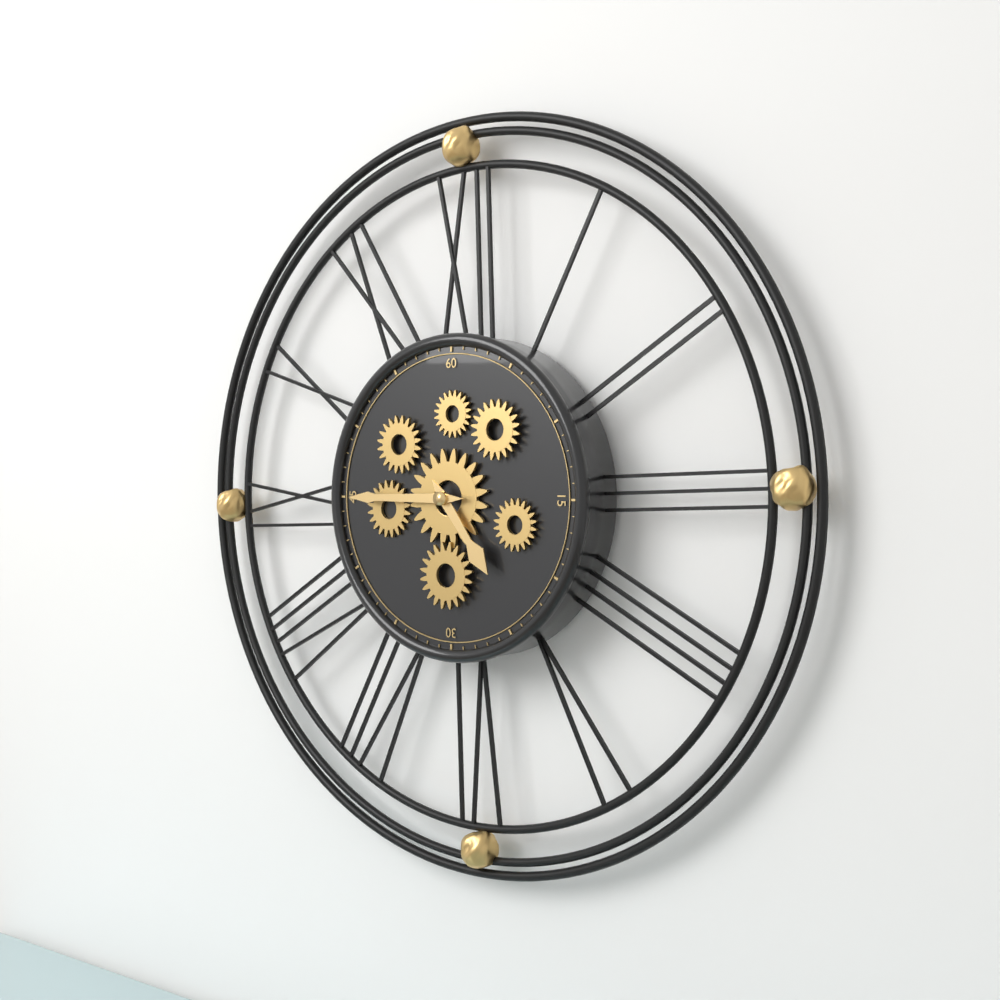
4:45
